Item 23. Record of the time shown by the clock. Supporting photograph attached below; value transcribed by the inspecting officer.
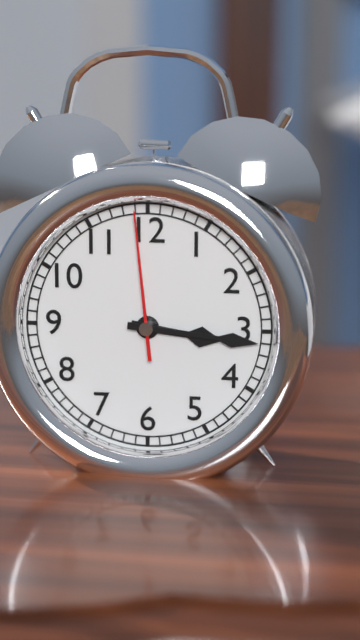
3:16:59
